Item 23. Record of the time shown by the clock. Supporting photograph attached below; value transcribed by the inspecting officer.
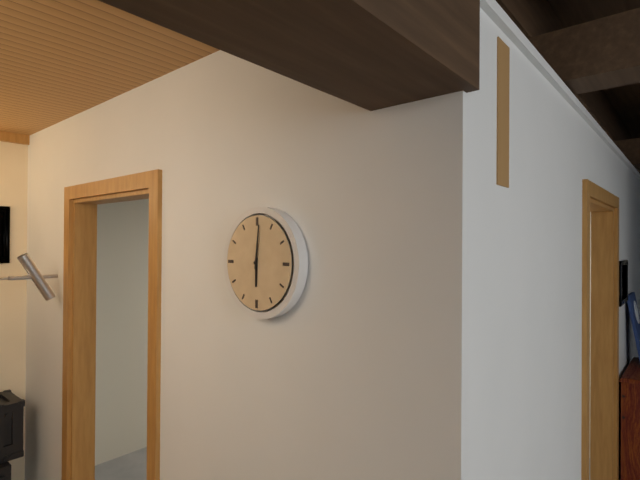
6:01
